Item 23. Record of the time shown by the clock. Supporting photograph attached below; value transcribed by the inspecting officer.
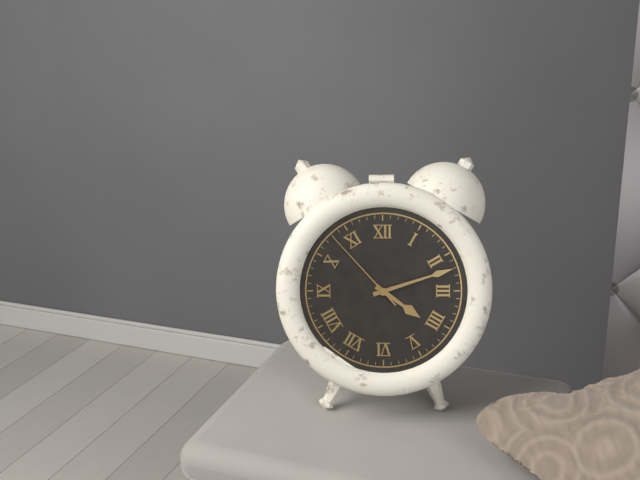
4:12:53
